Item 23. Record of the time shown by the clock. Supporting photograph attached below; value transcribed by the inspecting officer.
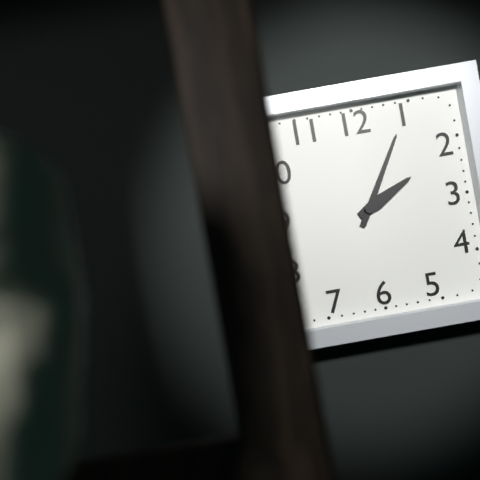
2:05
